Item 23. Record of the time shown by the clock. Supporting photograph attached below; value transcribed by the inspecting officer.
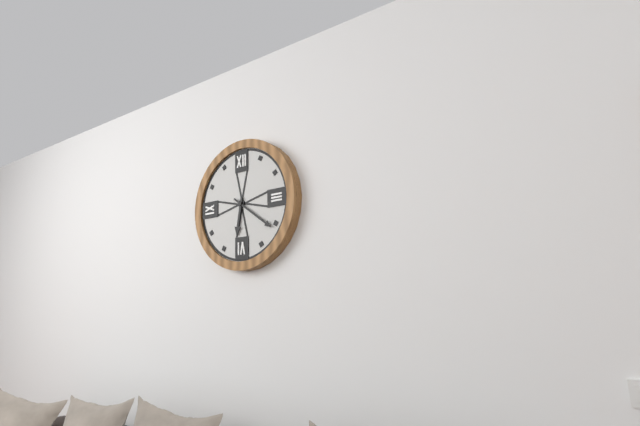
6:21
